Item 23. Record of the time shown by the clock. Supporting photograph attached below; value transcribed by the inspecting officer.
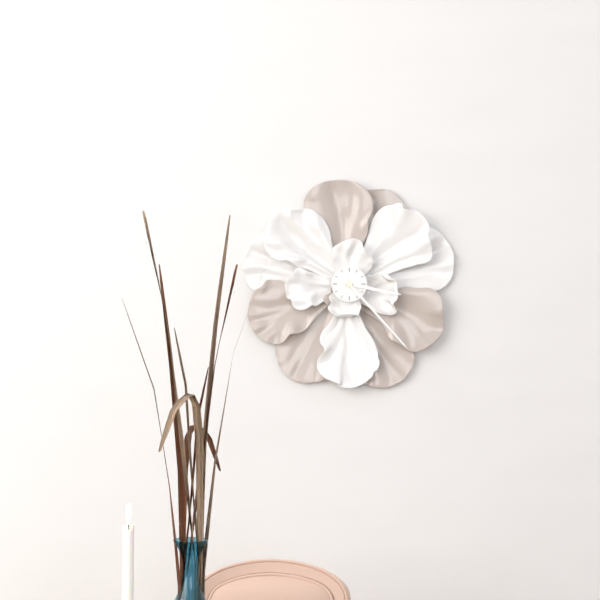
3:23
